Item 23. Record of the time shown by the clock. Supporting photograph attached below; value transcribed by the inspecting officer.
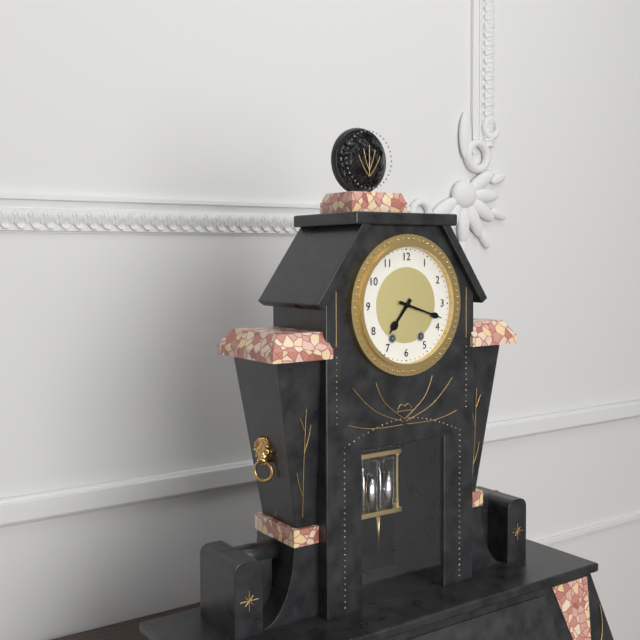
7:18
